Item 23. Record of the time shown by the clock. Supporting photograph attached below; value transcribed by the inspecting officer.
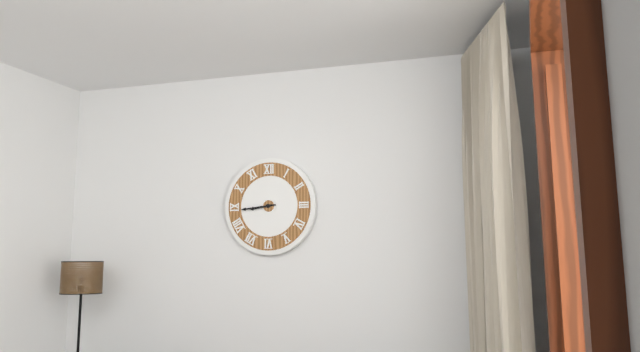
8:44
